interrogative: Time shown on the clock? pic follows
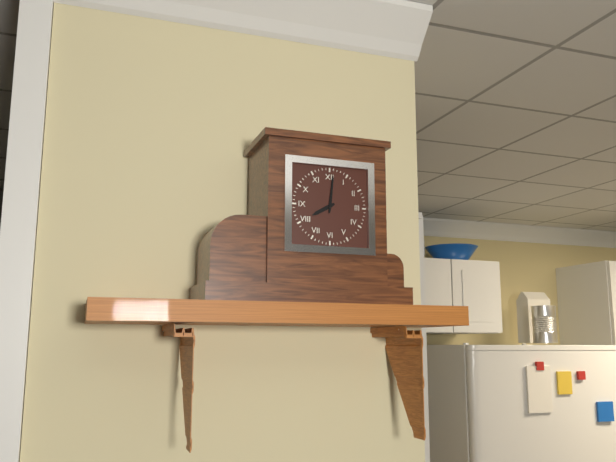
8:01
